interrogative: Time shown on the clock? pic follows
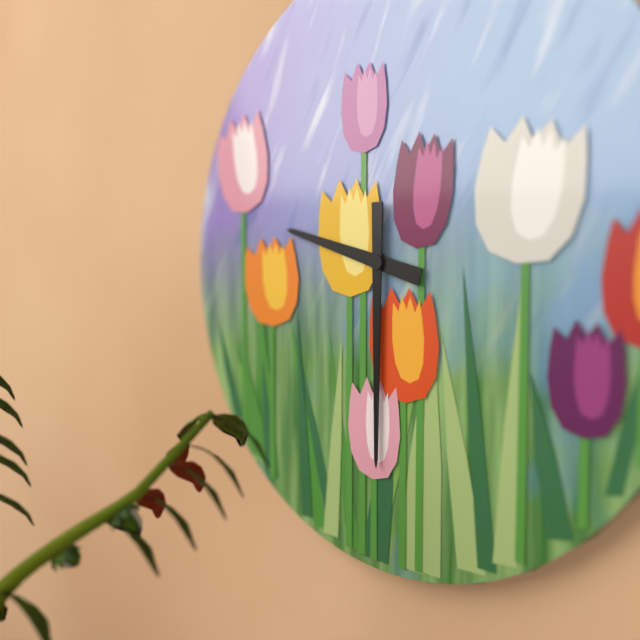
9:30
